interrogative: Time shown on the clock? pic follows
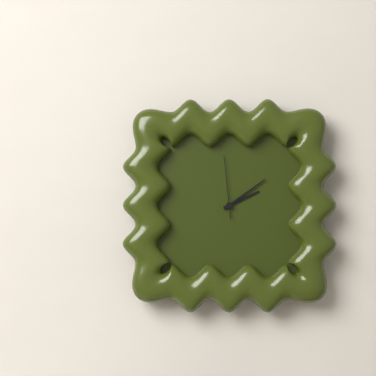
2:09:59
